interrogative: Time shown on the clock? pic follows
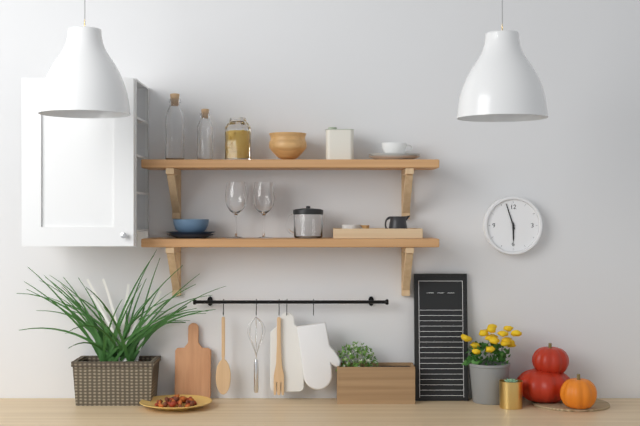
5:57
